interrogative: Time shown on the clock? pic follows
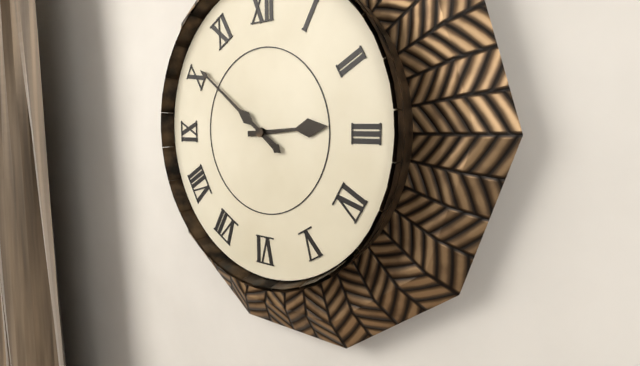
2:51
